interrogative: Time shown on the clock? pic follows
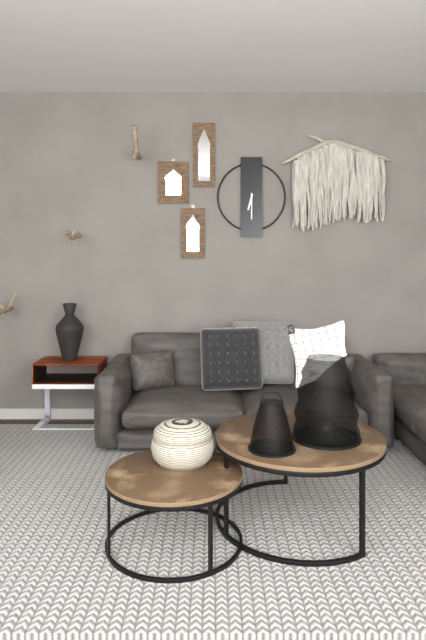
6:30
